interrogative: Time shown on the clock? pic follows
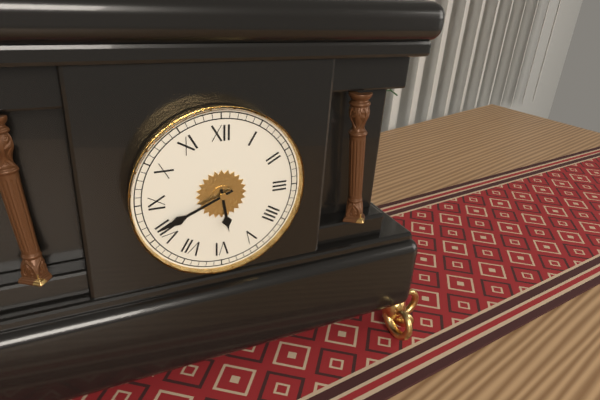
5:41
